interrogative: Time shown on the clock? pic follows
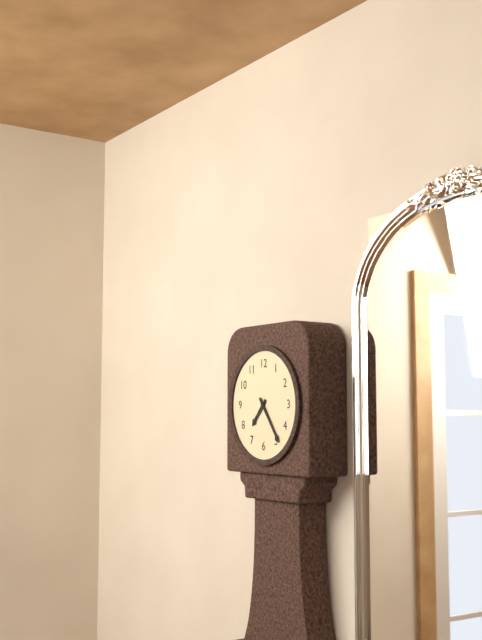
7:24
